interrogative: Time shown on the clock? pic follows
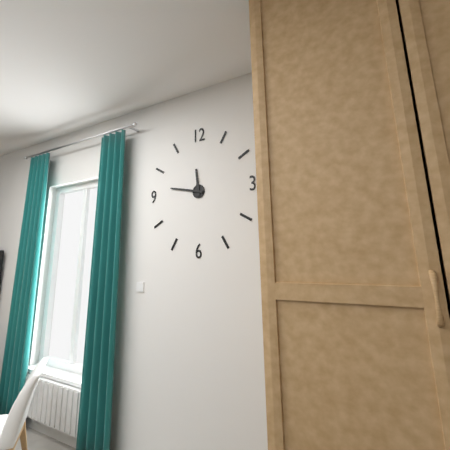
11:47
